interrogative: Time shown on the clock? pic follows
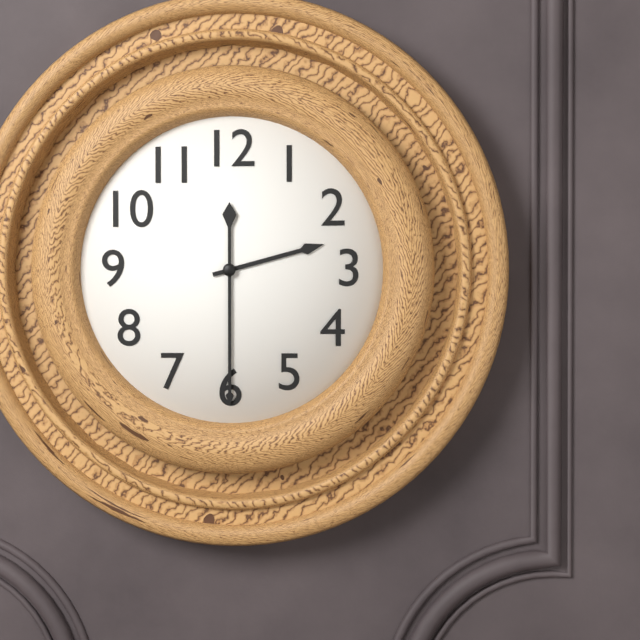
2:30
